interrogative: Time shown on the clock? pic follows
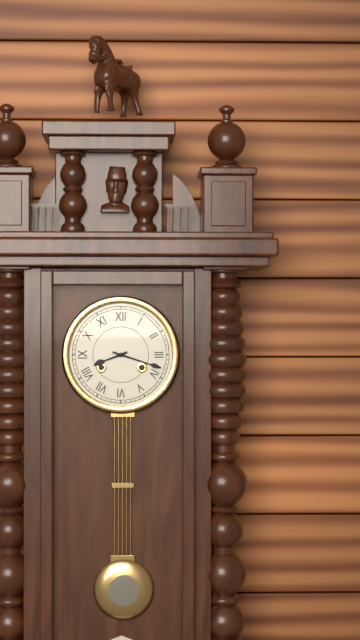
8:18
